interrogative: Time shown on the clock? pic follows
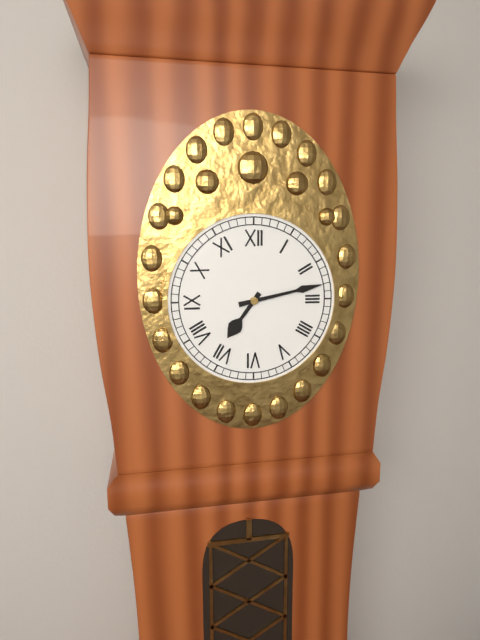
7:13
